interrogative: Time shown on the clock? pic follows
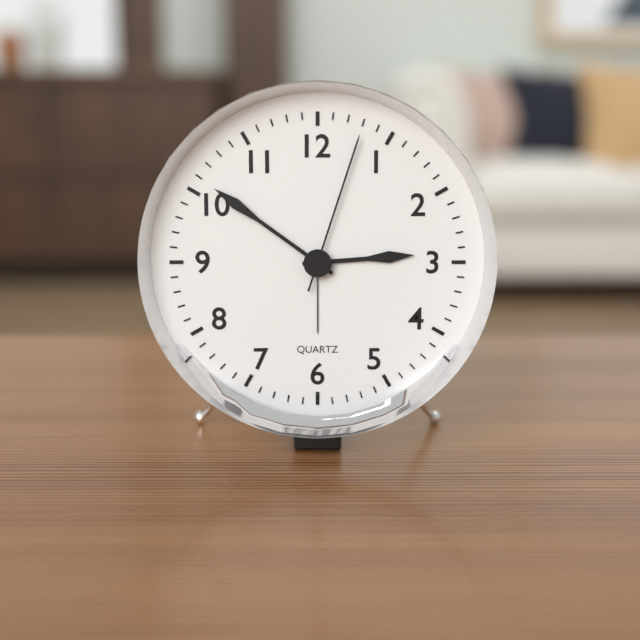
2:51:03
